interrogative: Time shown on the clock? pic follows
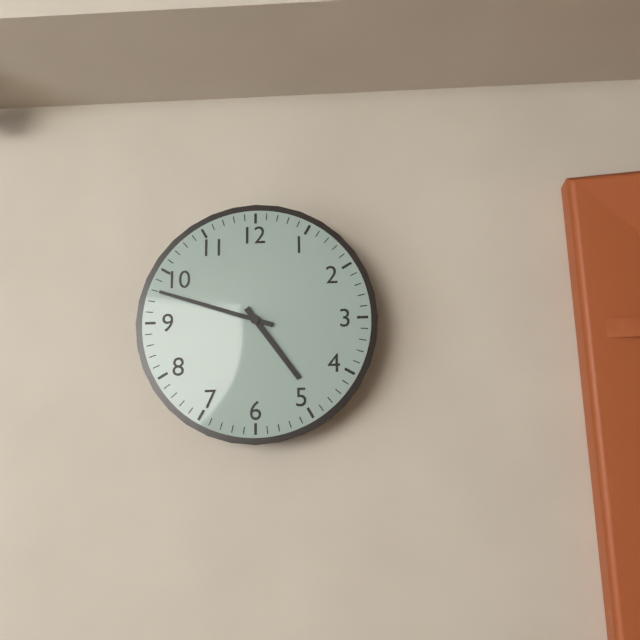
4:48
